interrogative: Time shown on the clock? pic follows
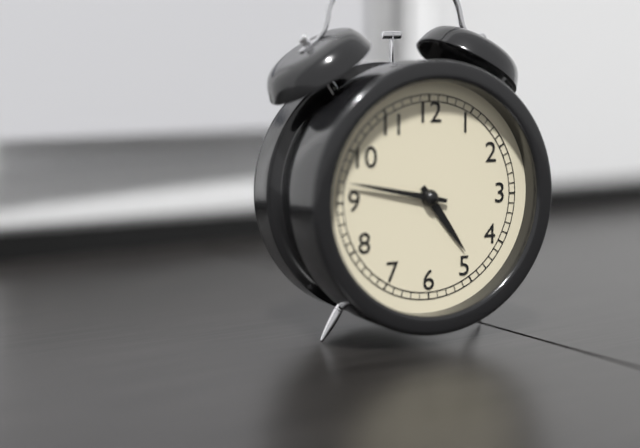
4:47
